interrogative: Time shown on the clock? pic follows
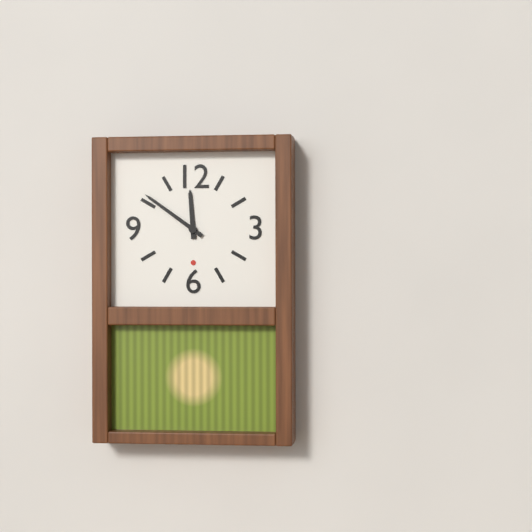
11:51
